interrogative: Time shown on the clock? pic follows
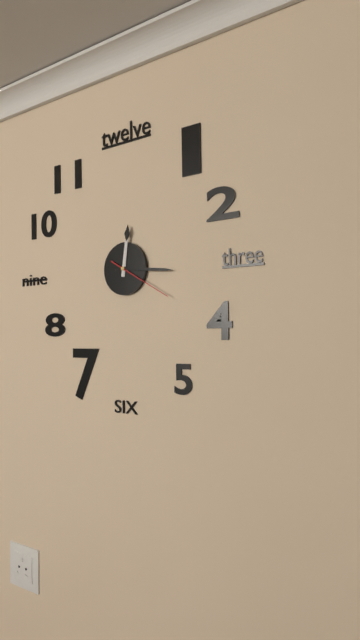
12:16:20
